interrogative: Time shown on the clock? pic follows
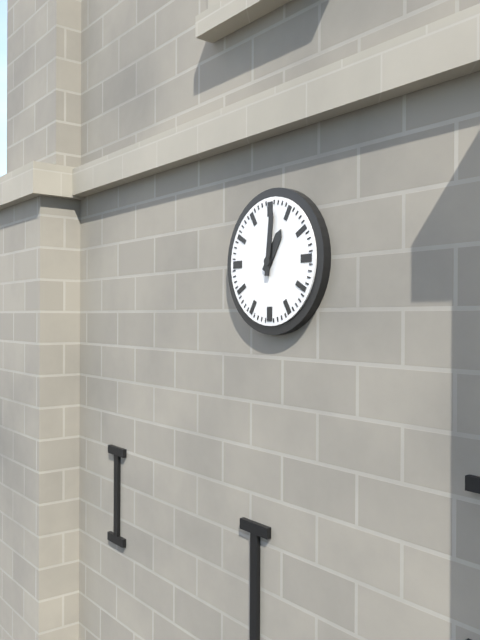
1:01
